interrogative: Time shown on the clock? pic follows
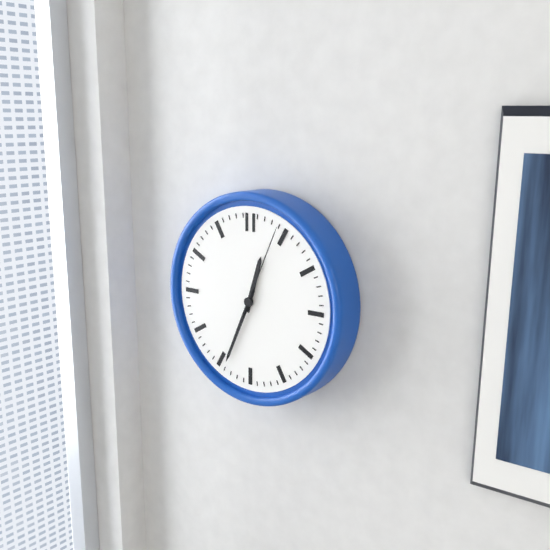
12:34:04
